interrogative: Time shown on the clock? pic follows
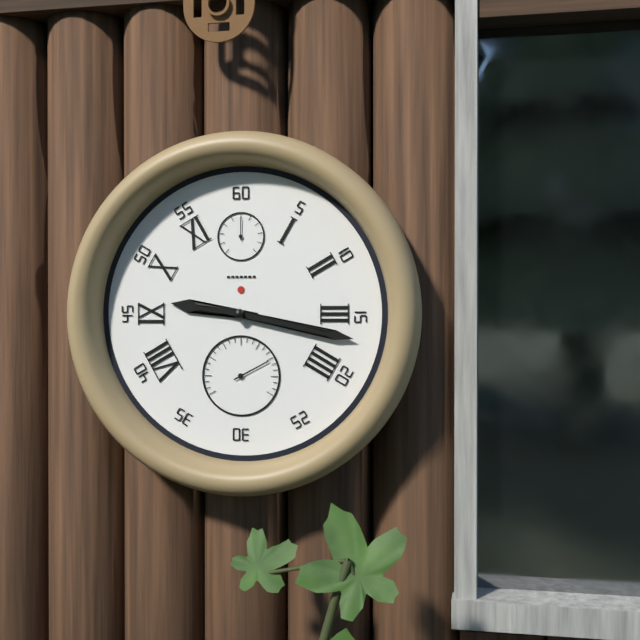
9:17
